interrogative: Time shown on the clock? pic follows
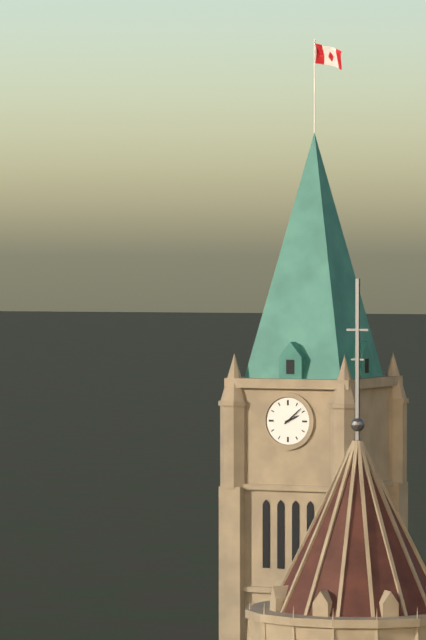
2:08
